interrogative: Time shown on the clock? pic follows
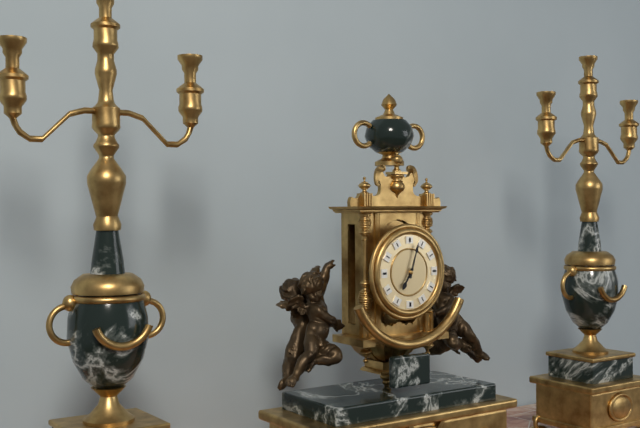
7:03
